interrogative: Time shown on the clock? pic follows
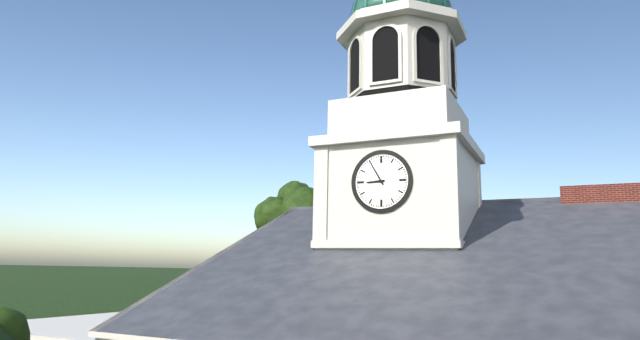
8:55
